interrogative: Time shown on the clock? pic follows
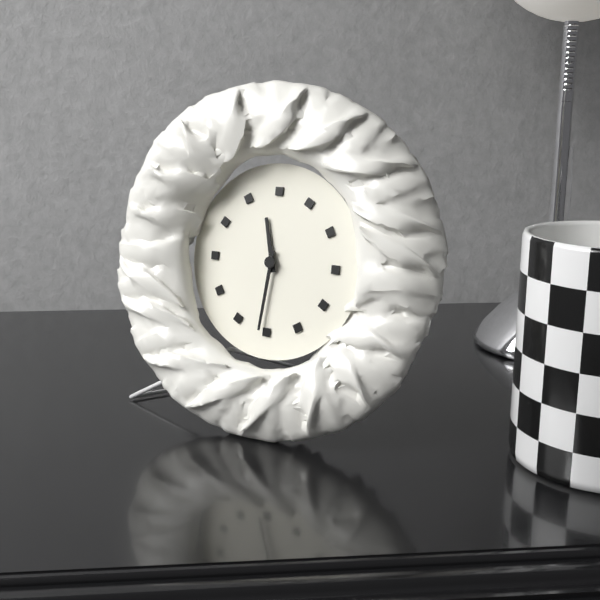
11:31
